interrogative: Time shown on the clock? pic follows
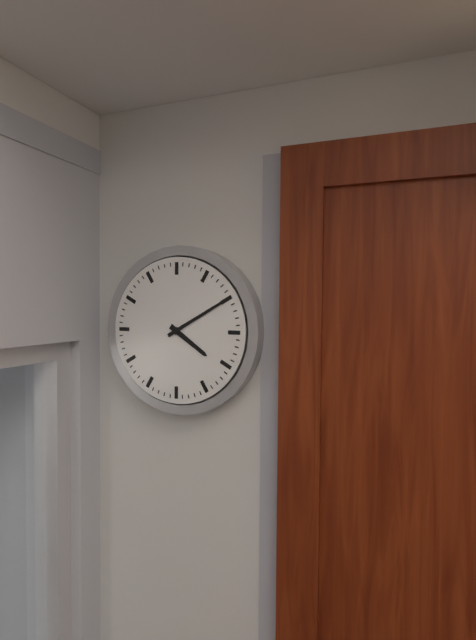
4:10
